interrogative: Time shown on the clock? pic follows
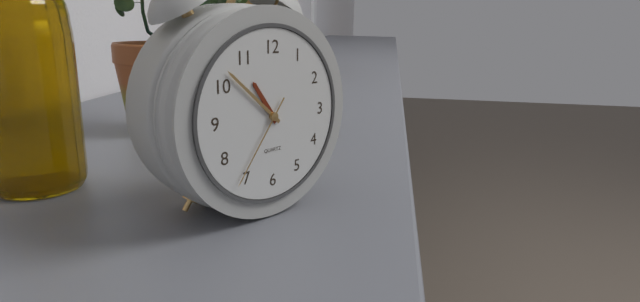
10:52:36
